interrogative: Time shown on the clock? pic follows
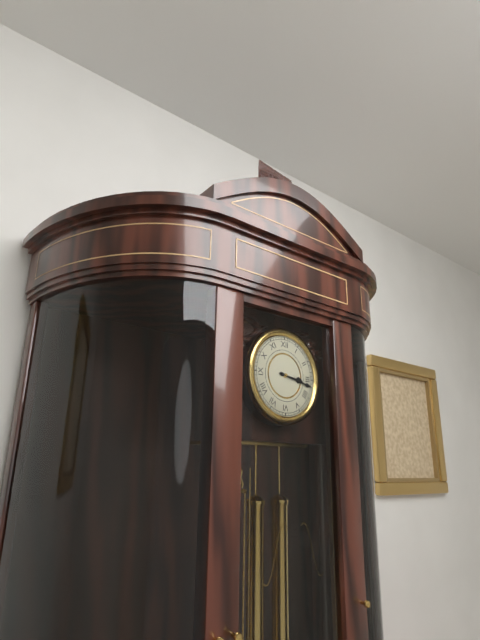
3:17
